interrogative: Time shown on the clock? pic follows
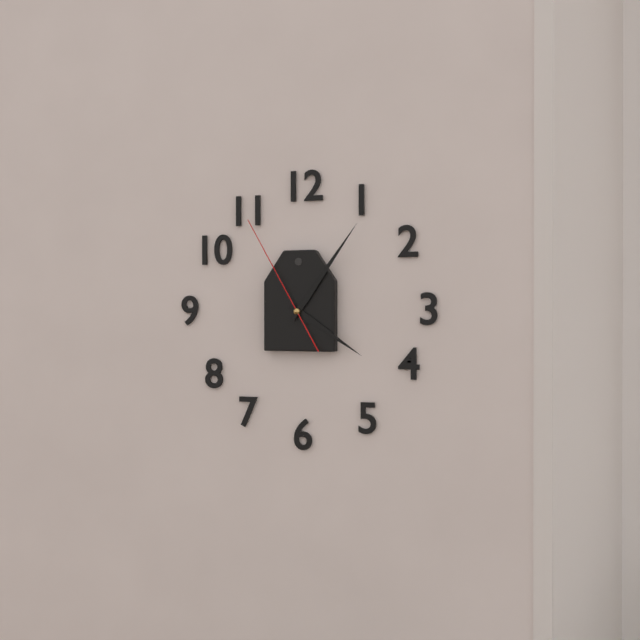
4:06:55
